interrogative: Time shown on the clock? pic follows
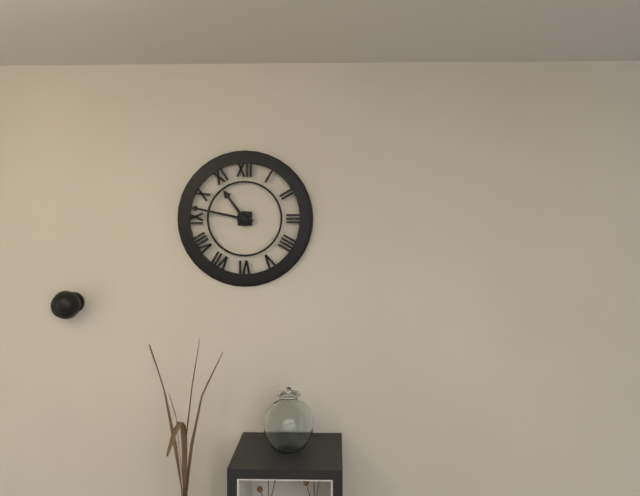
10:47
